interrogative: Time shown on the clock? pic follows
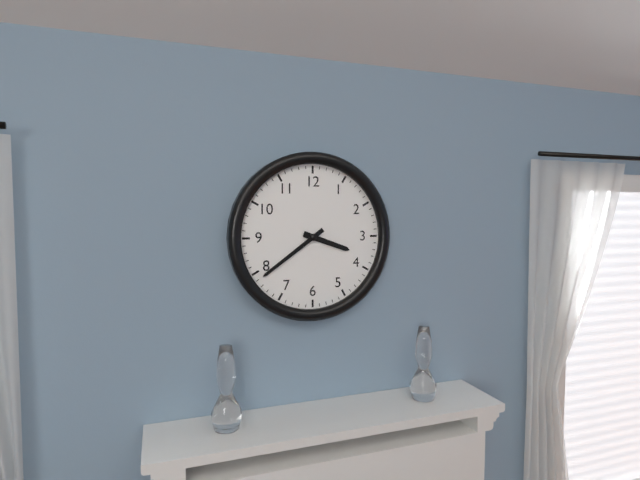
3:39
